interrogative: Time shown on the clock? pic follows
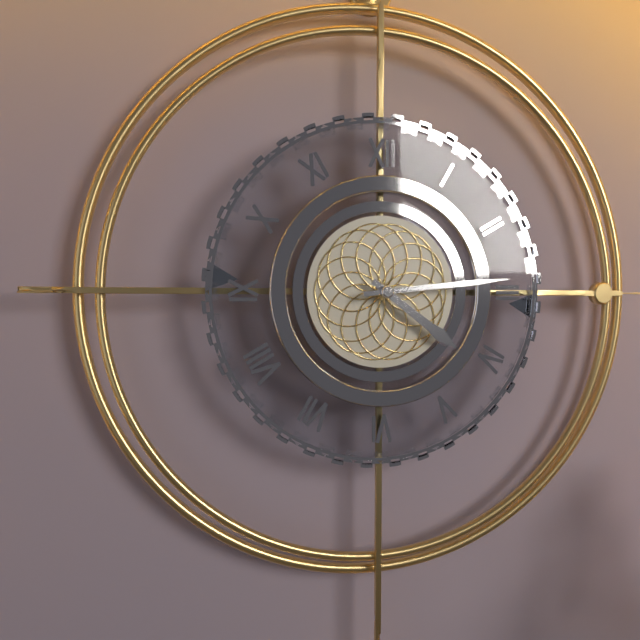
4:14
